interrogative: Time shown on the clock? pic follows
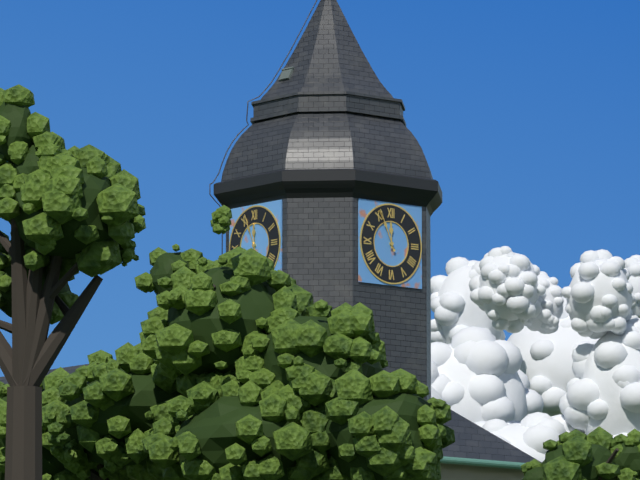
11:56
